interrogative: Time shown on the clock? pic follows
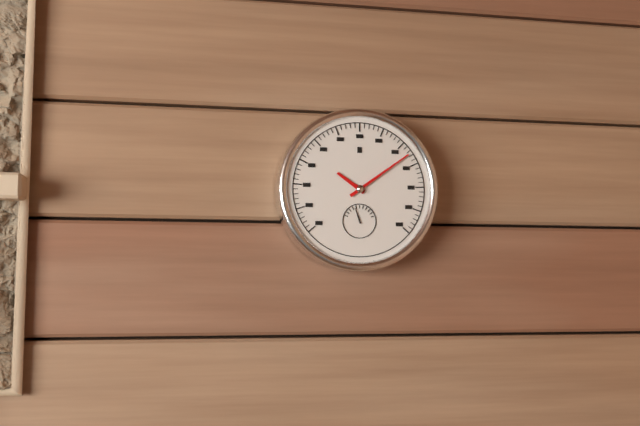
10:09
